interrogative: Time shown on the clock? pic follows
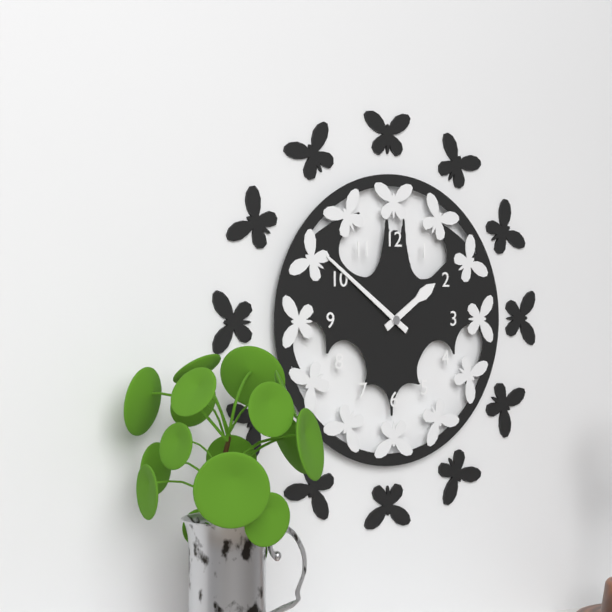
1:51
